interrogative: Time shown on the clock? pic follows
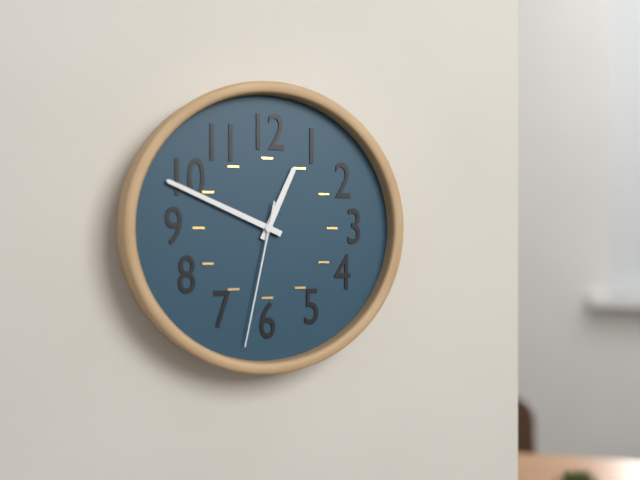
12:49:32
